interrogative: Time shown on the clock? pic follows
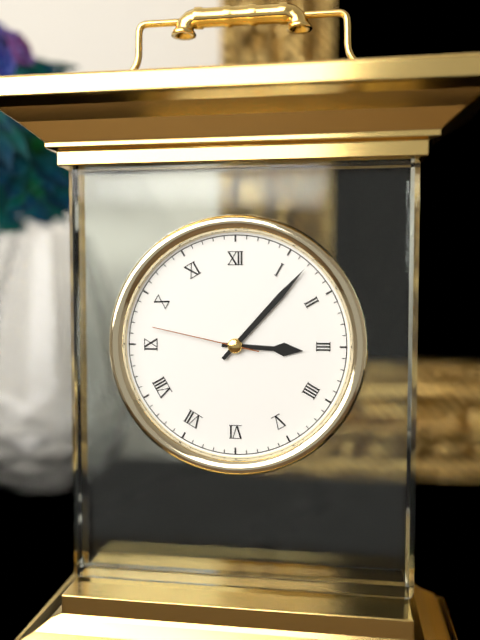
3:07:47
